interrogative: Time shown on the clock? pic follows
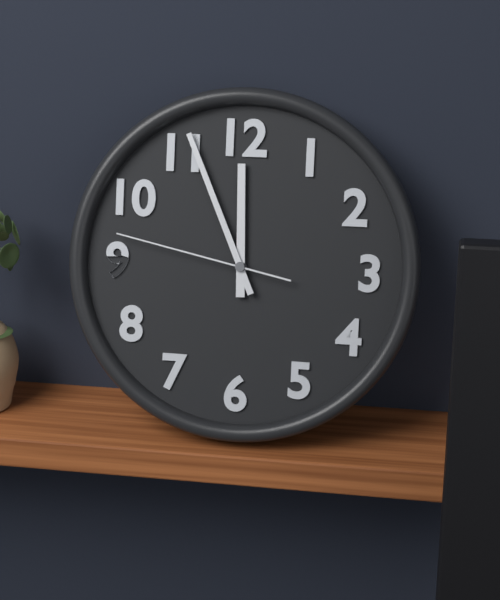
11:56:47
